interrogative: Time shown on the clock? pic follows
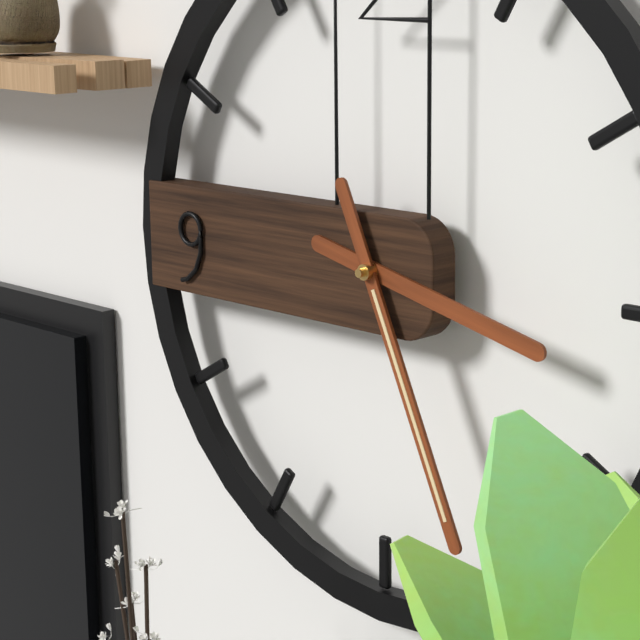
3:26
